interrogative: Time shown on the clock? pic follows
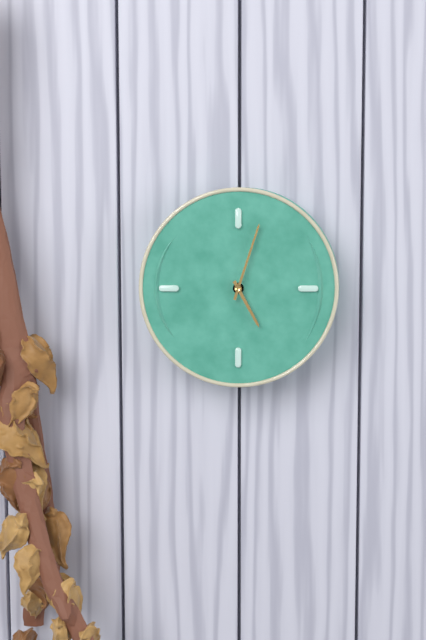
5:03
